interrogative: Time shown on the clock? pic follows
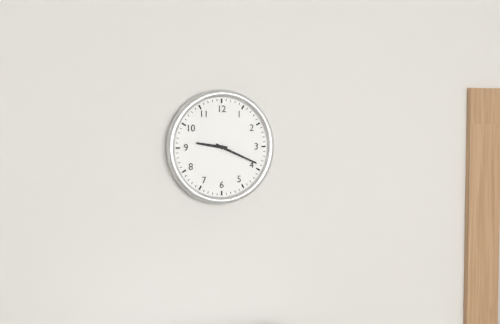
9:19
